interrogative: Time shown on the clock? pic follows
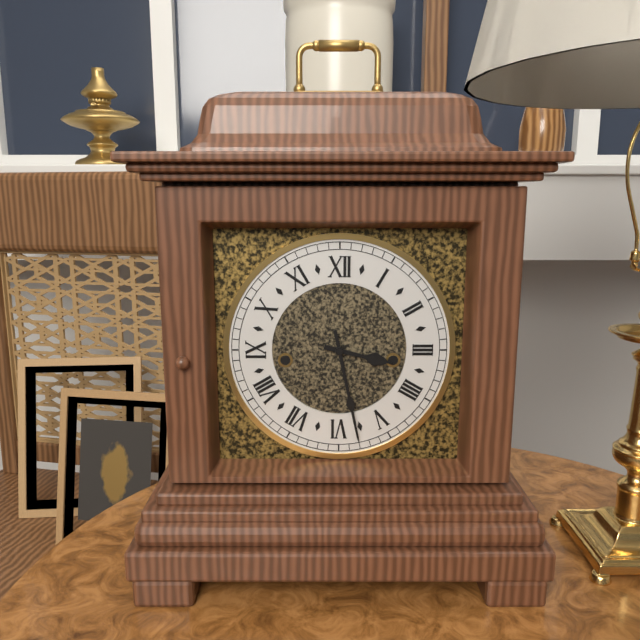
3:28
